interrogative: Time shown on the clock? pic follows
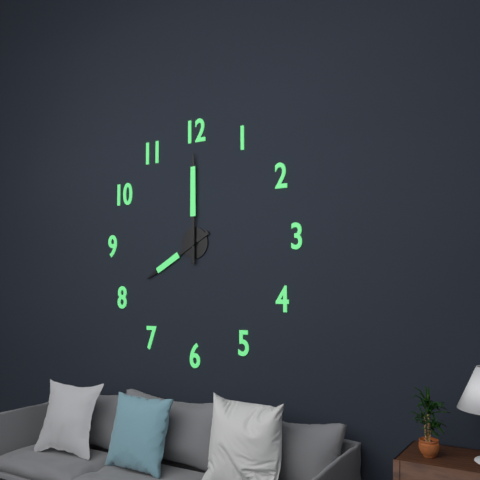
8:00
